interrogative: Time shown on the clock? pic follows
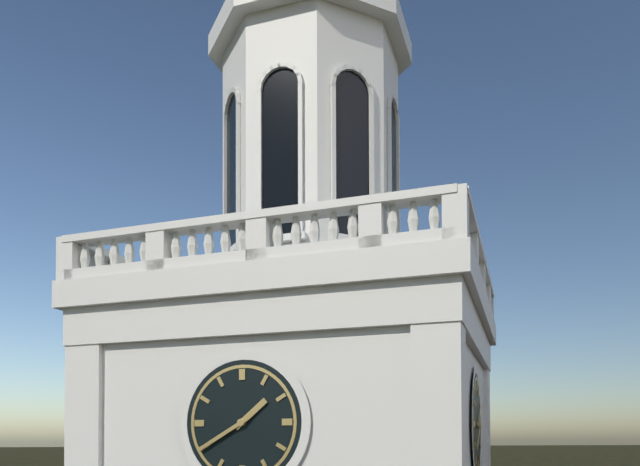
1:40
